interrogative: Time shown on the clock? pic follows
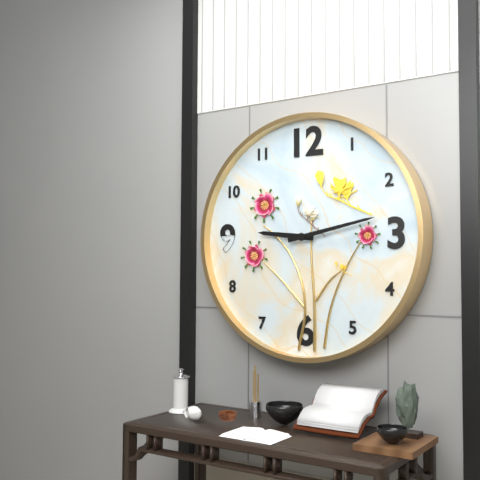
9:13
